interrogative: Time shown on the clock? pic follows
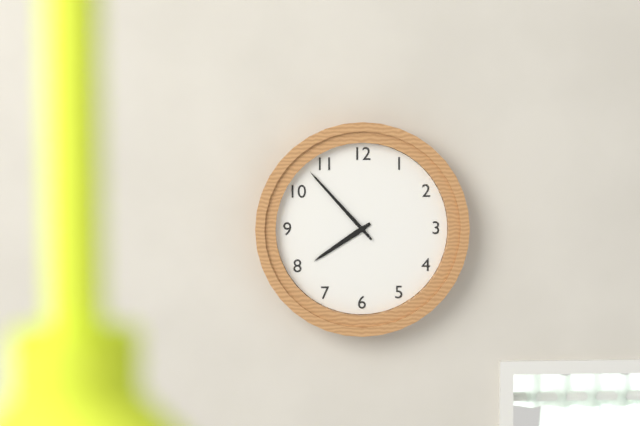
7:53
